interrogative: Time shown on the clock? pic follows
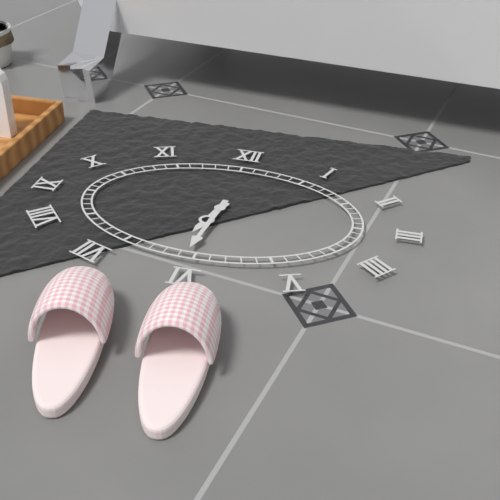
6:31
